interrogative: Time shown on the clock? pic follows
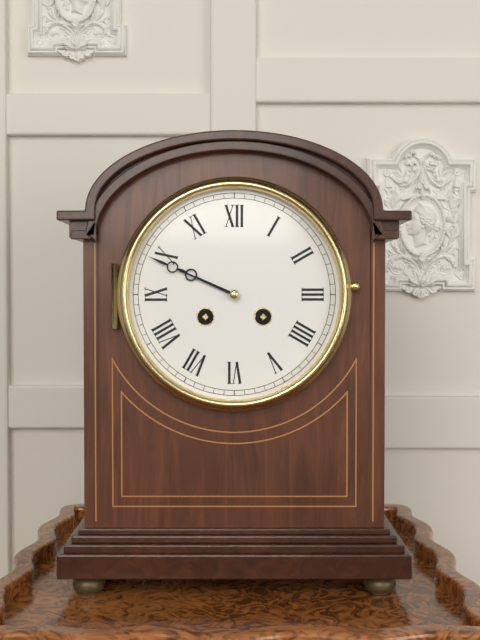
9:49
